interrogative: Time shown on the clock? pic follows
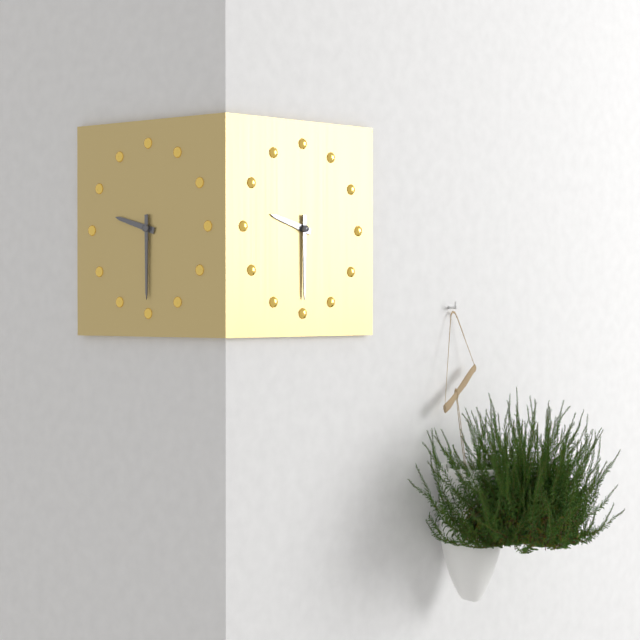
9:30
